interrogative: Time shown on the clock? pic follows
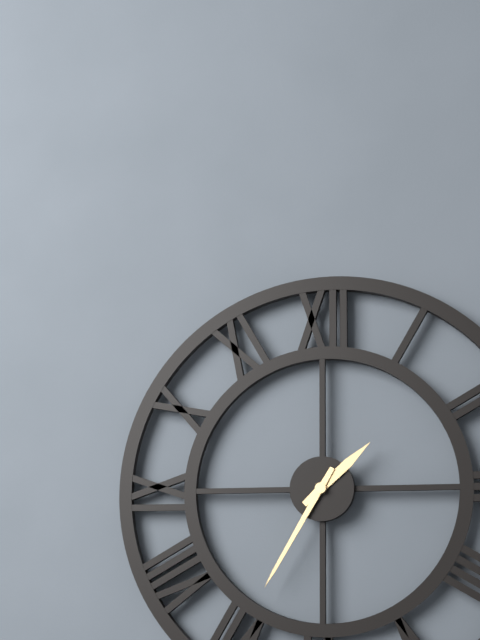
1:35
